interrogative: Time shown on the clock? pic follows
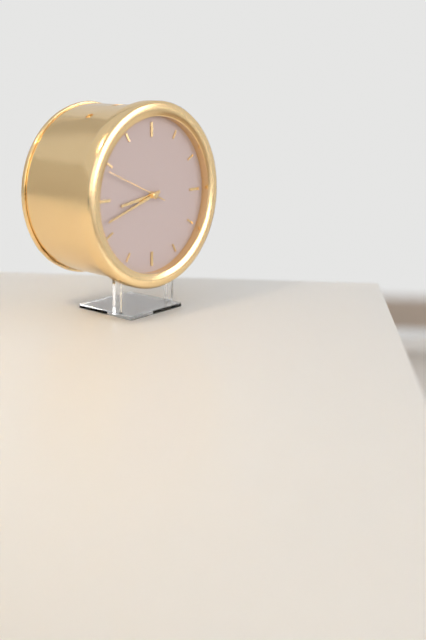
8:42:49
